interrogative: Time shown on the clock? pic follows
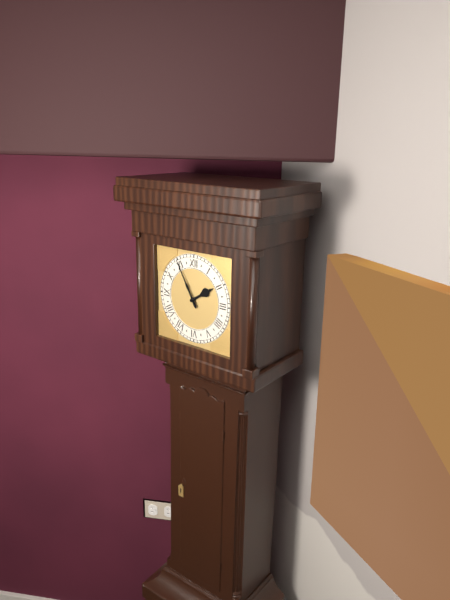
1:55
